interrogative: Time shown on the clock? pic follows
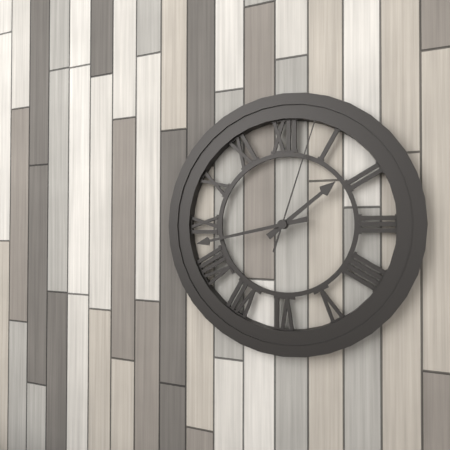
1:43:03
